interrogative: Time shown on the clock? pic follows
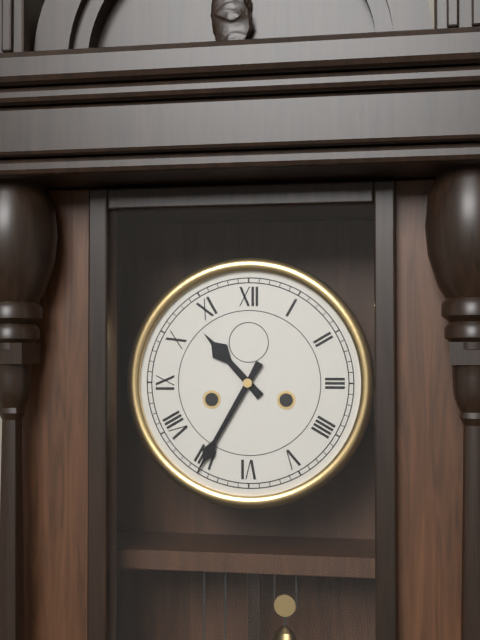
10:35
